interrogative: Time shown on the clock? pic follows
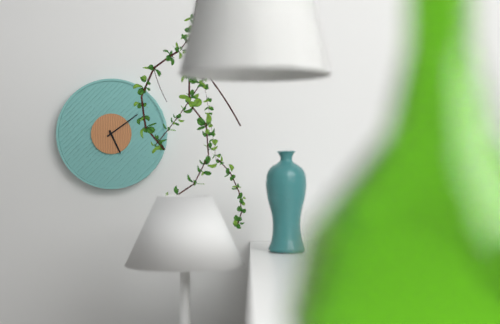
5:09
